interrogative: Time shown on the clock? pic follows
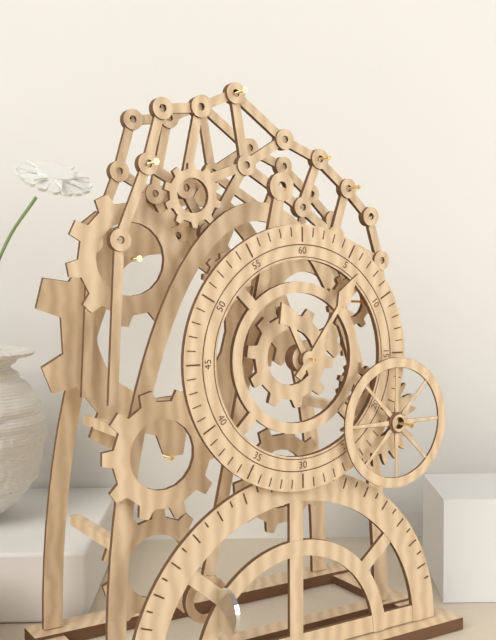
11:06
